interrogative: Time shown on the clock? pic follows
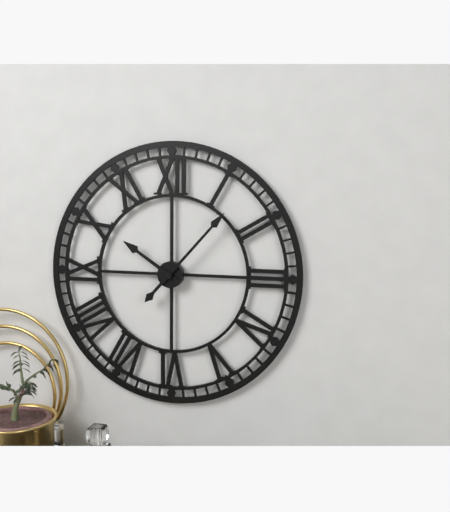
10:07
